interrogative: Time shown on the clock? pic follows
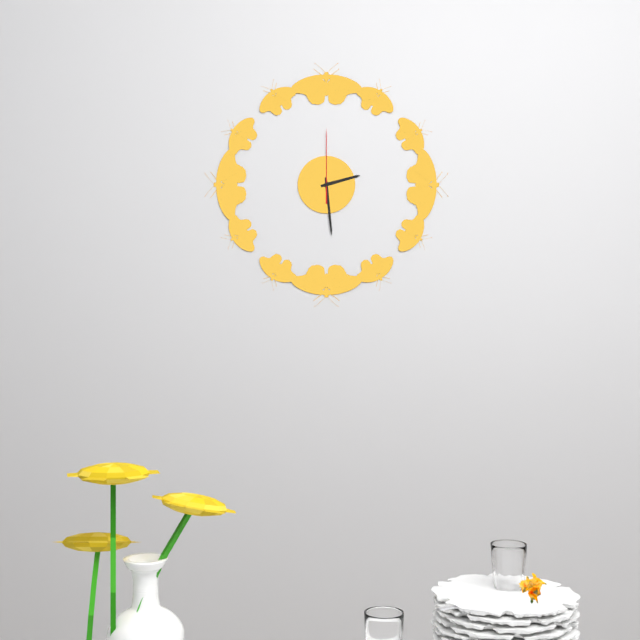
2:29:00
